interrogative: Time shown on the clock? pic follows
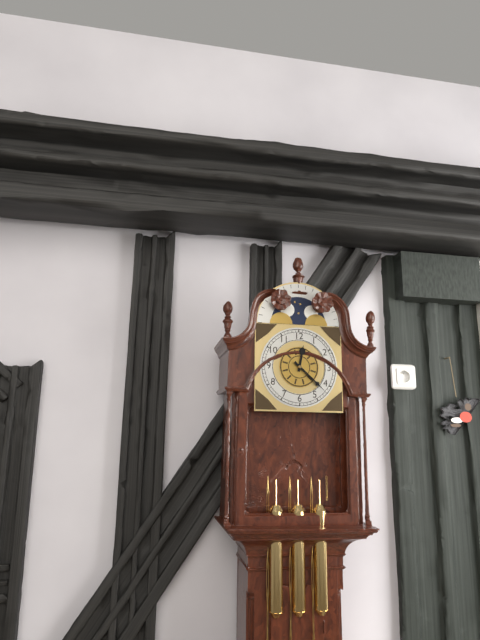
12:22
